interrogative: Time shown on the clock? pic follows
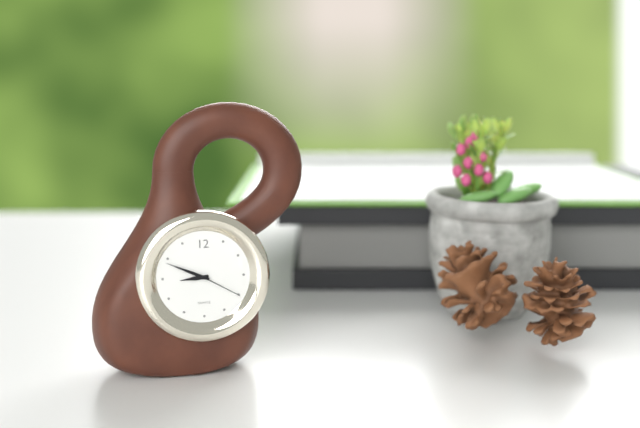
8:49:20
